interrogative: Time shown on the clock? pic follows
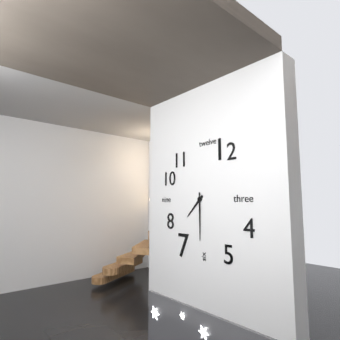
7:30
